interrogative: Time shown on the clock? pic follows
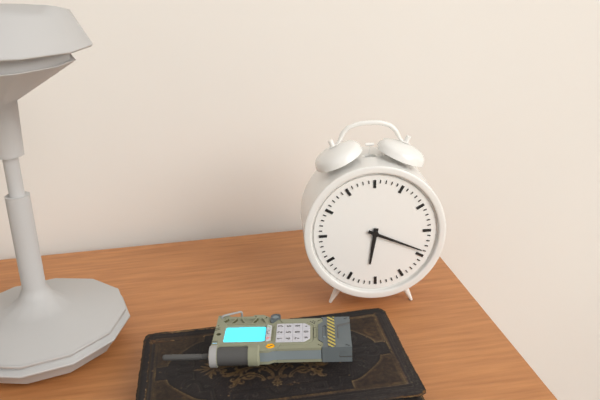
6:19
